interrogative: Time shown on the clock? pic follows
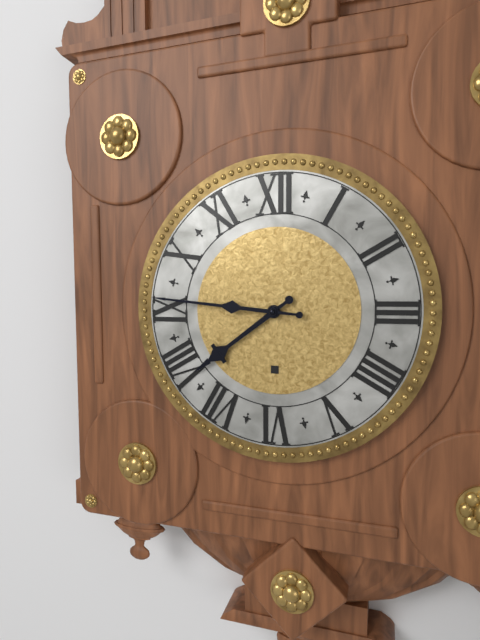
7:46
